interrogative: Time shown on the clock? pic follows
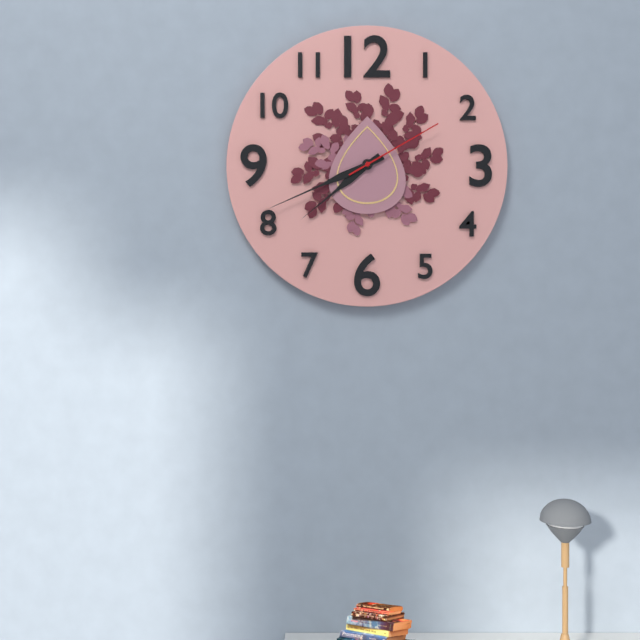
7:41:10
